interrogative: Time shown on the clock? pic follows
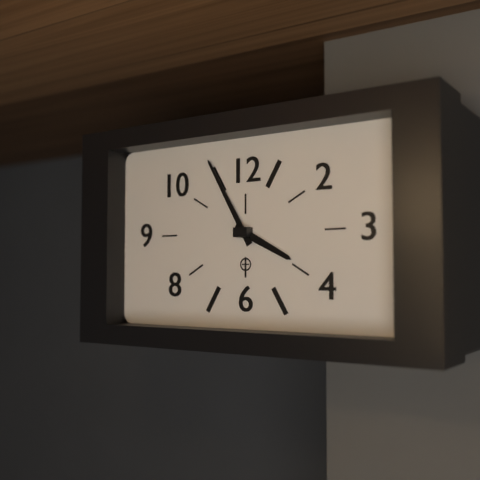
3:55
